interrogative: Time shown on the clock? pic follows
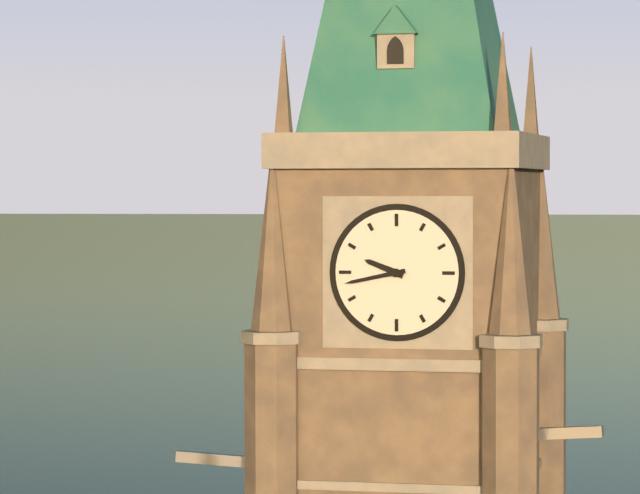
9:43
